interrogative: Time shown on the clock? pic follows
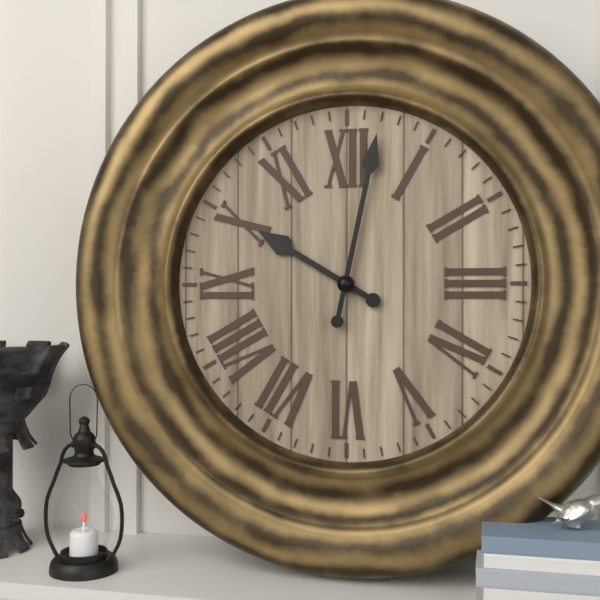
10:02
